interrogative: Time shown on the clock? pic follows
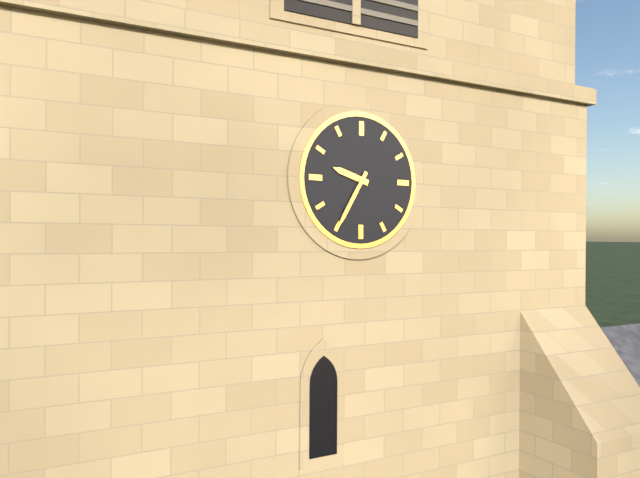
9:35
